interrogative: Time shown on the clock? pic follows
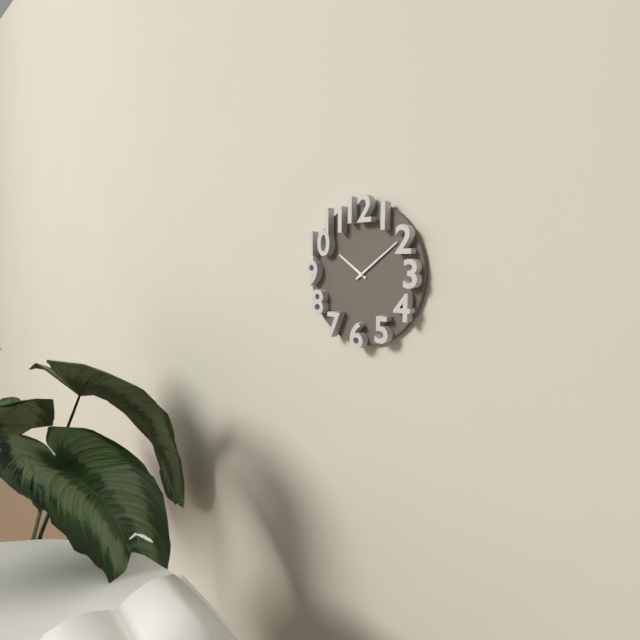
10:09
